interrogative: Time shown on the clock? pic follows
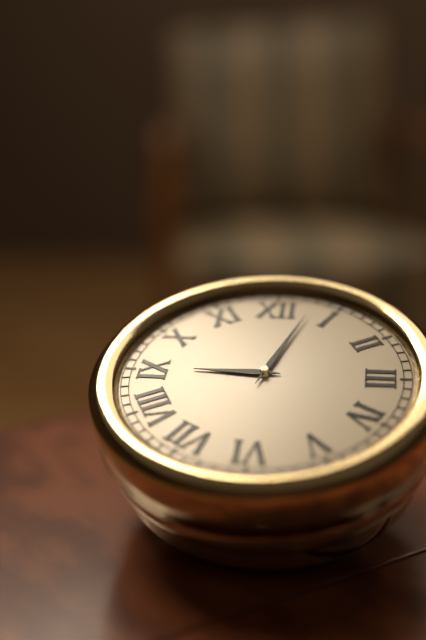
9:03
